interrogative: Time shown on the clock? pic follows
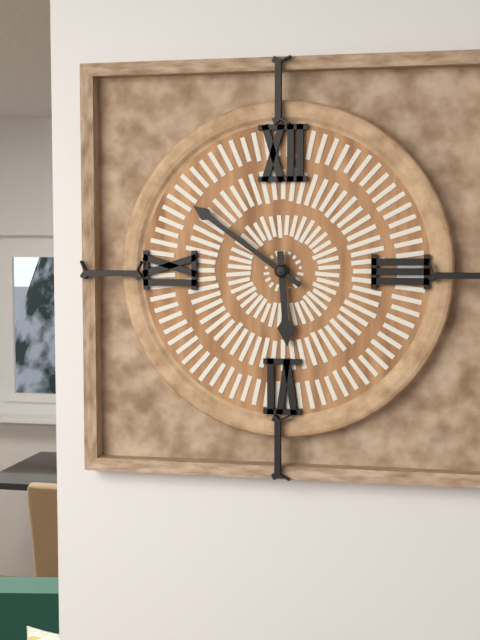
5:51
